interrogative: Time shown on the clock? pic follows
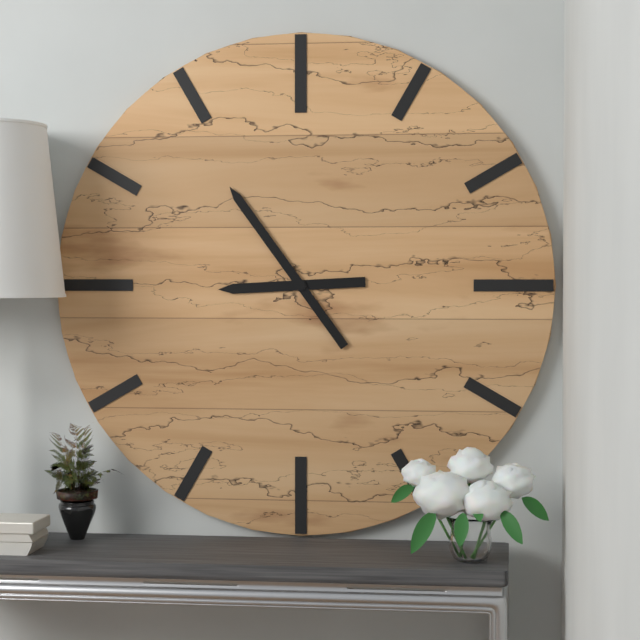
8:54
